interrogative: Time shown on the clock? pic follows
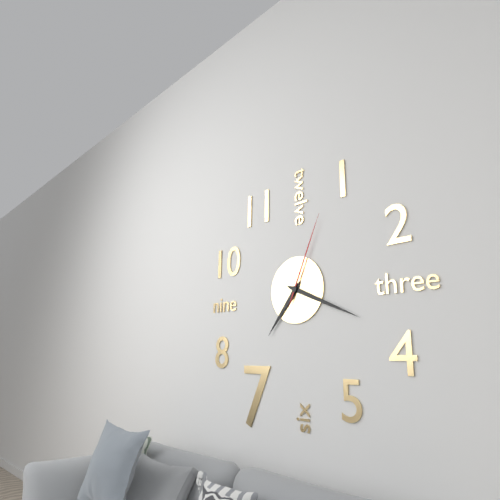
7:19:04
